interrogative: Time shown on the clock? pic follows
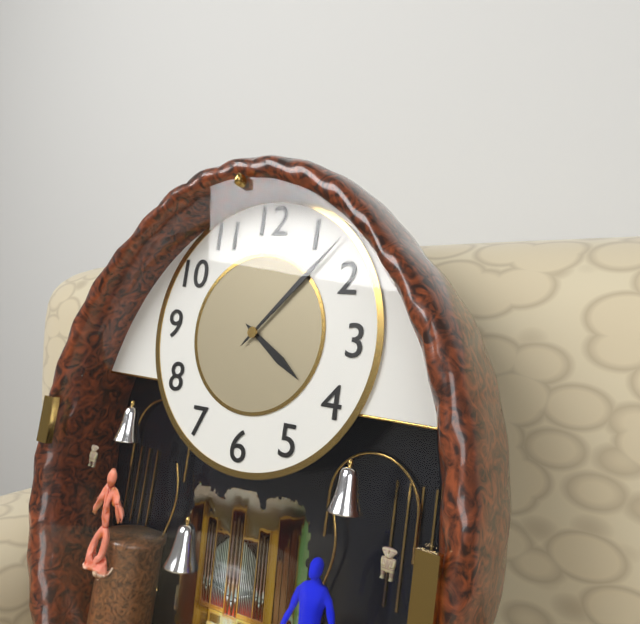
4:07
